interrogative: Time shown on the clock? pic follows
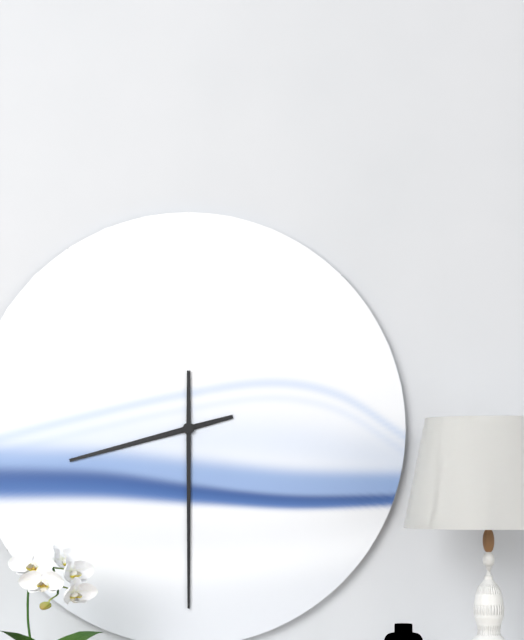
8:30
